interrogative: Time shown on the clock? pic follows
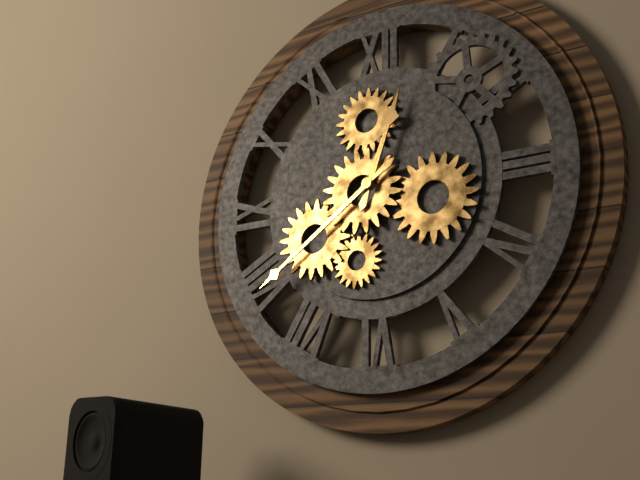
12:39
